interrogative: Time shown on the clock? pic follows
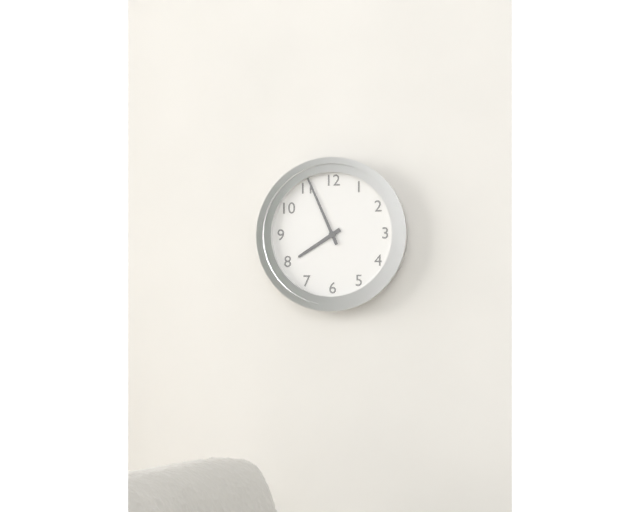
7:56
